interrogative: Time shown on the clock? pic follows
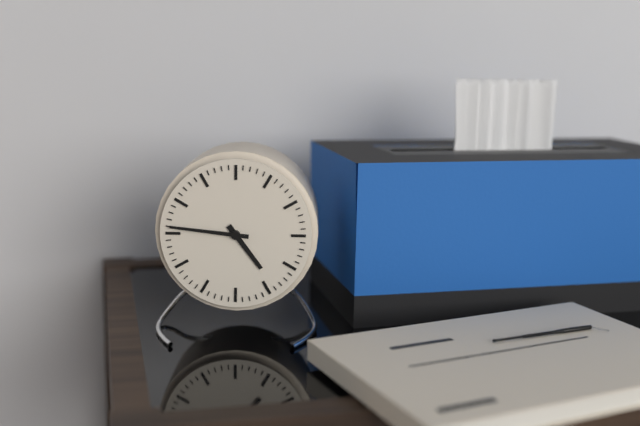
4:46
